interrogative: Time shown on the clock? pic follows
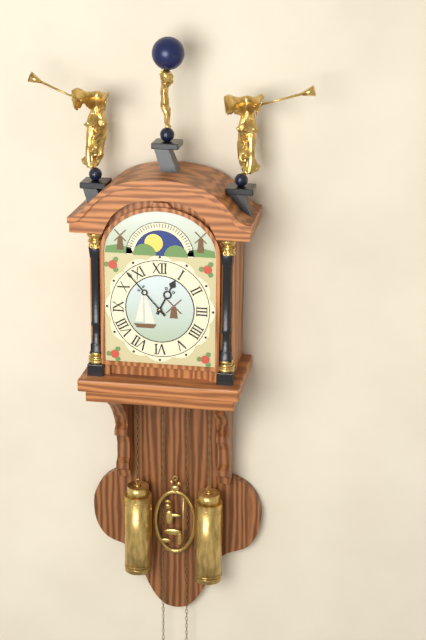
12:53
